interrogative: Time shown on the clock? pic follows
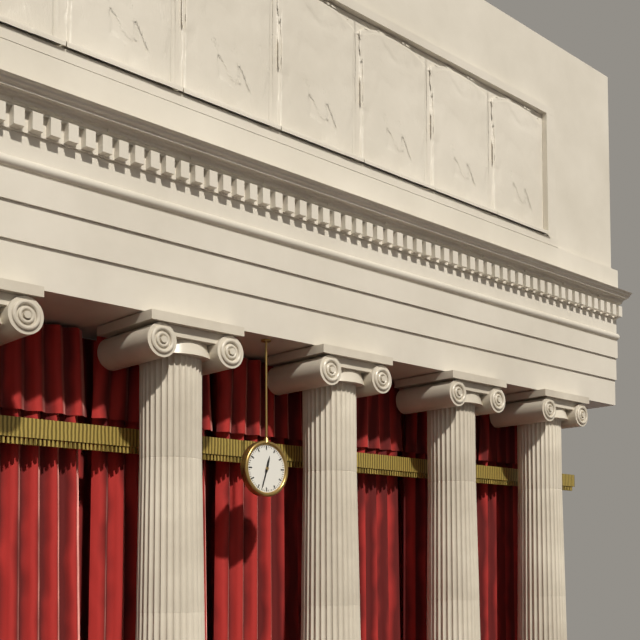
12:33
